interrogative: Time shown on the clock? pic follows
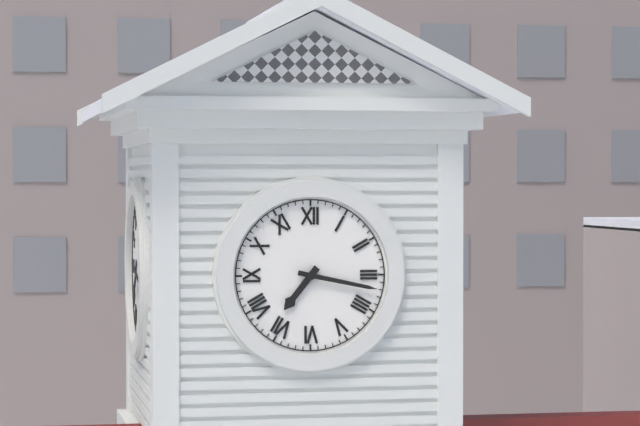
7:17
